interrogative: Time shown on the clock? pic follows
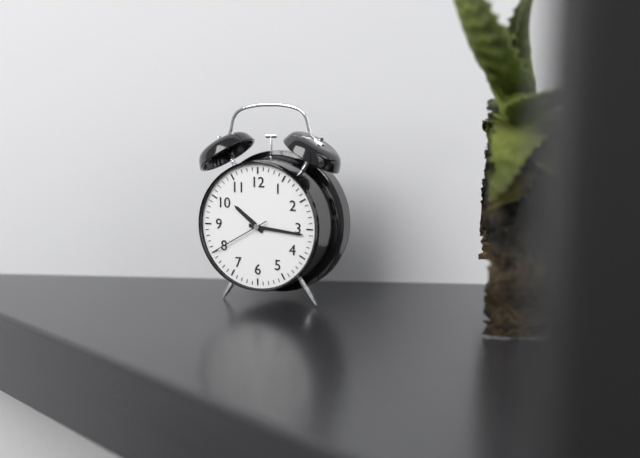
10:16:40
